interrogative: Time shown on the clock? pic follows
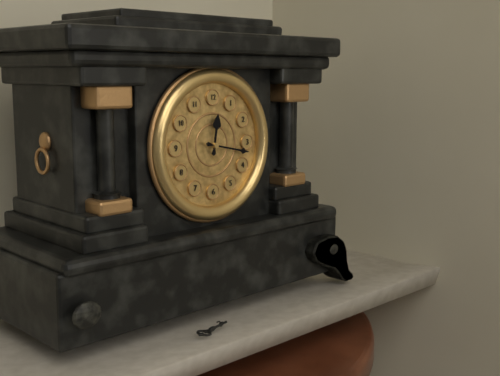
12:17
